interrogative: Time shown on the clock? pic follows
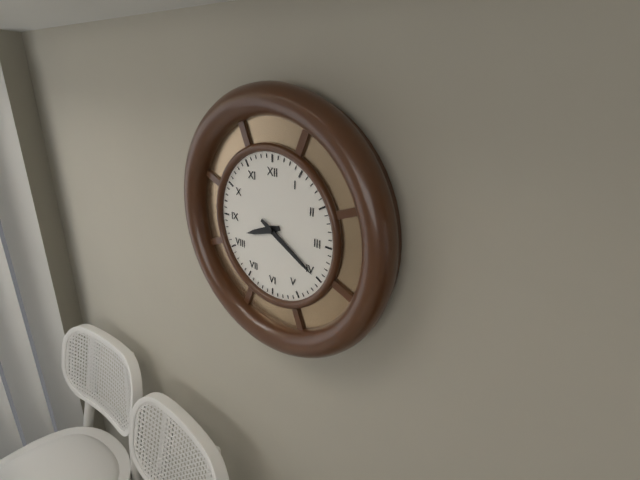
8:20
